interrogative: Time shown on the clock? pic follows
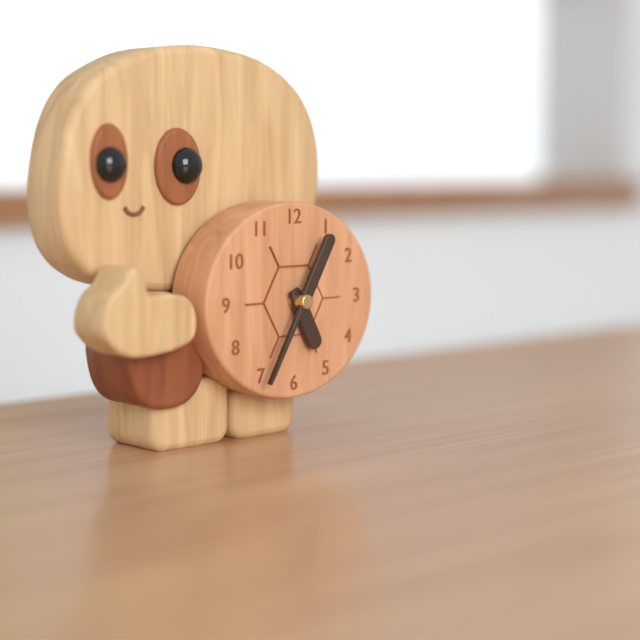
5:05
